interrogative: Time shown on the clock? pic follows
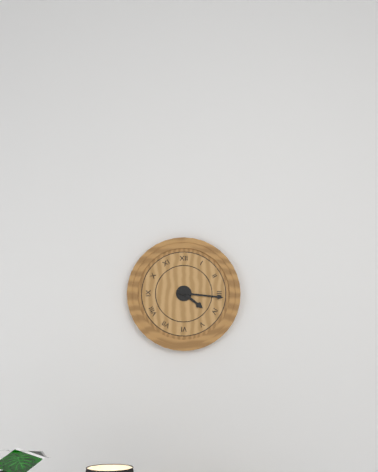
4:16
